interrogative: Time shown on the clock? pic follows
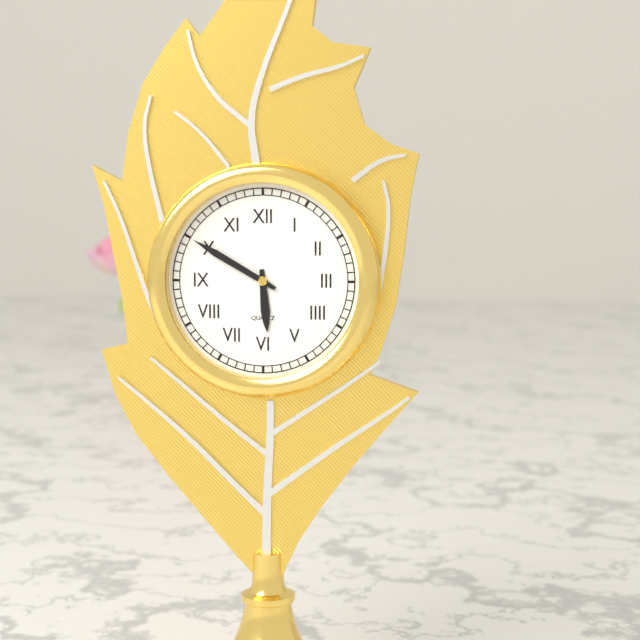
5:50
